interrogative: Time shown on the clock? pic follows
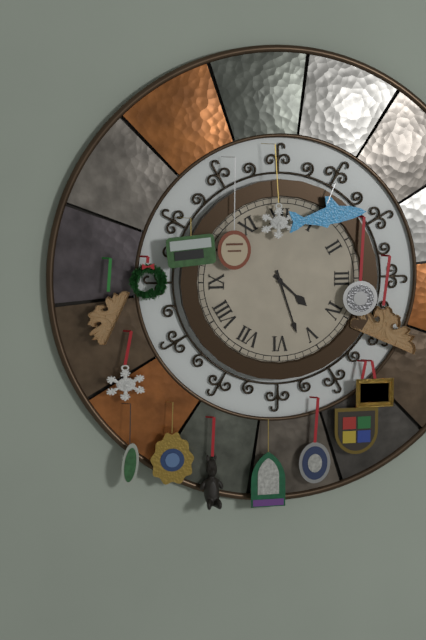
4:27
